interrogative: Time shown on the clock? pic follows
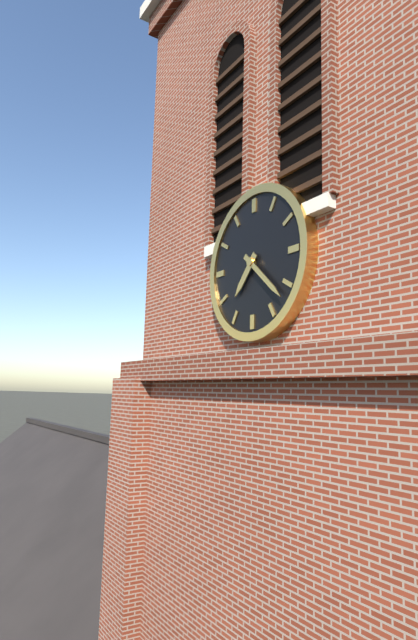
7:22
